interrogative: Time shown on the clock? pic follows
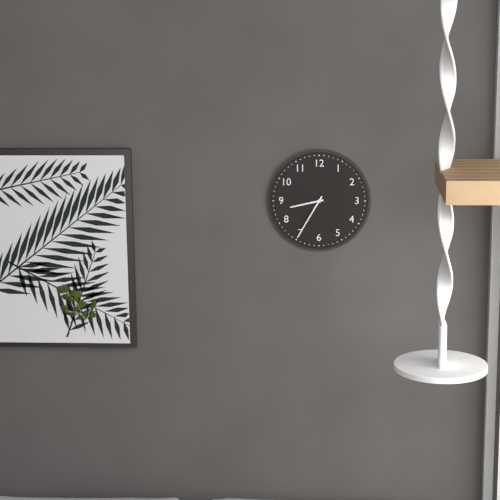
8:35
